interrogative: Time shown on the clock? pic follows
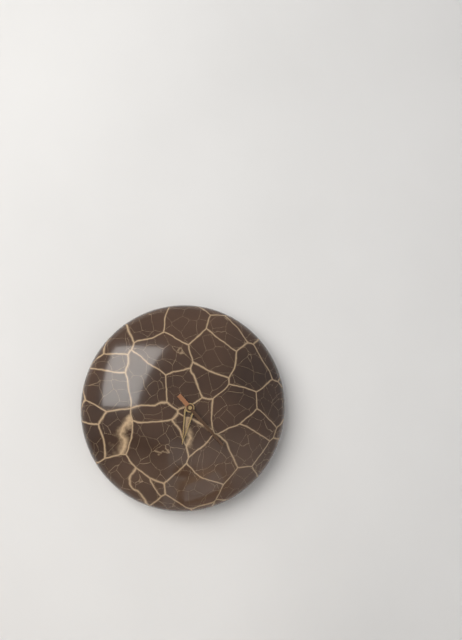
6:23
